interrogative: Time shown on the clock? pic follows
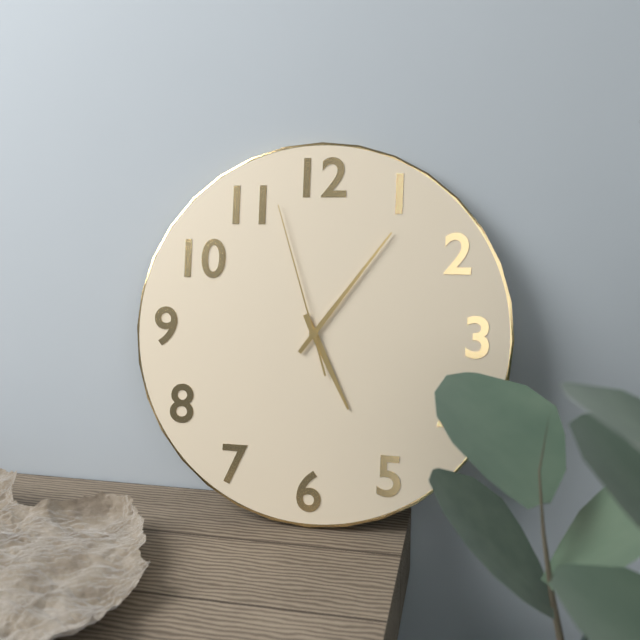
5:06:57
